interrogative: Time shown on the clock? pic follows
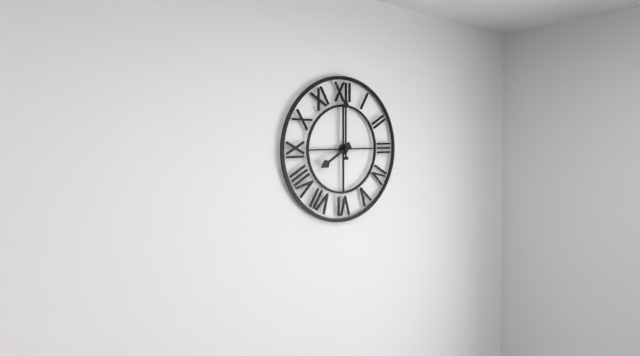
8:00
